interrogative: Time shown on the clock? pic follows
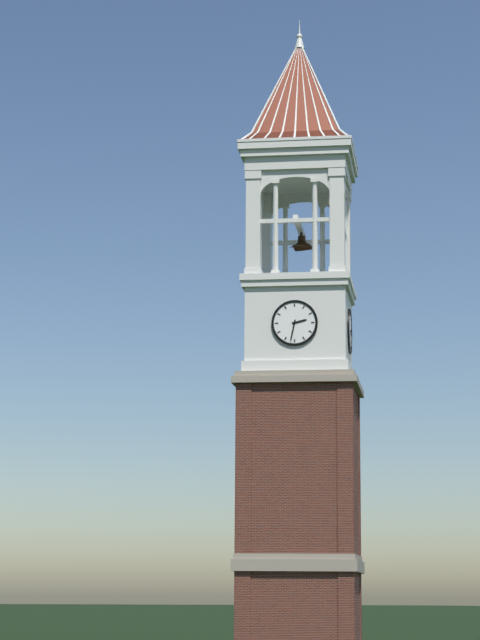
2:32
